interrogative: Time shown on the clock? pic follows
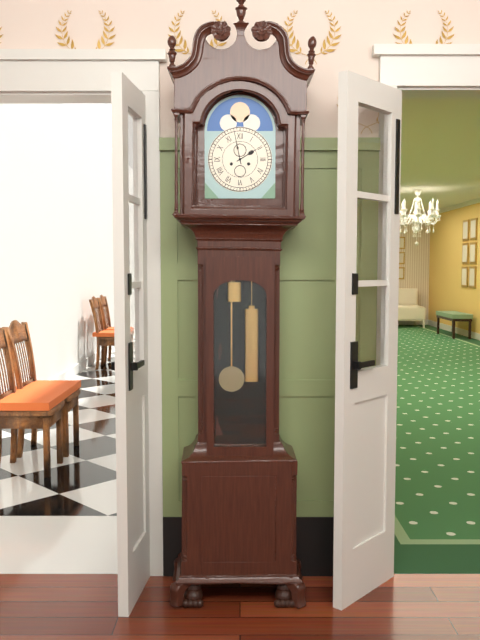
1:58
